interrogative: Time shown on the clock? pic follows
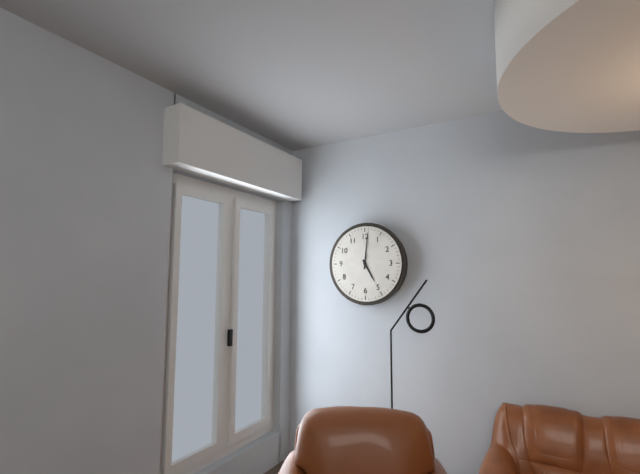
5:01
